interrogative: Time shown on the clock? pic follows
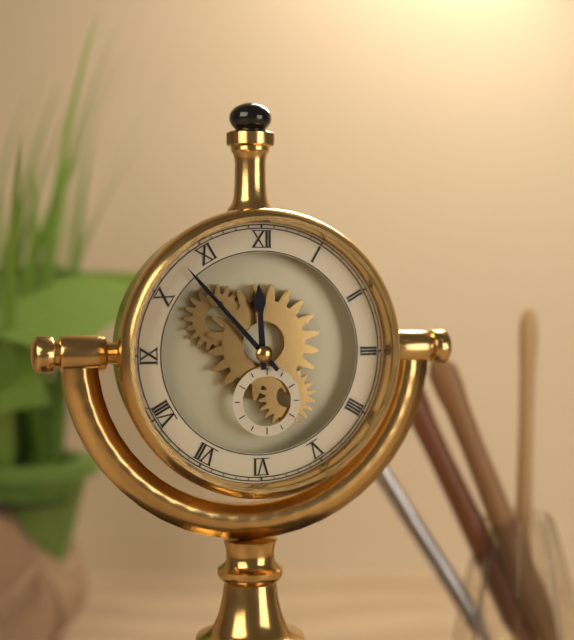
11:53
